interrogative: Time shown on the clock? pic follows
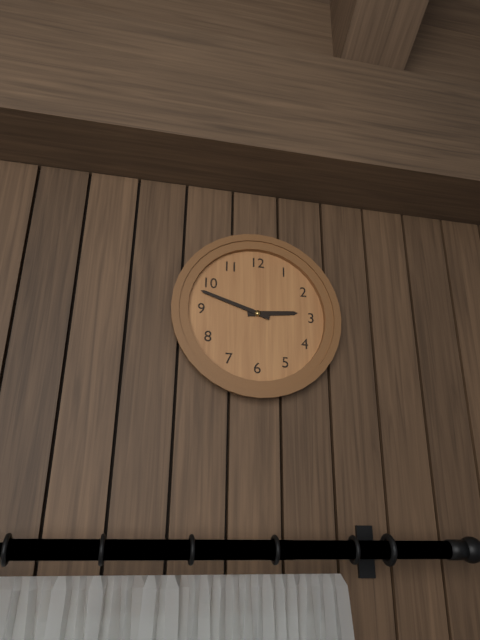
2:48
